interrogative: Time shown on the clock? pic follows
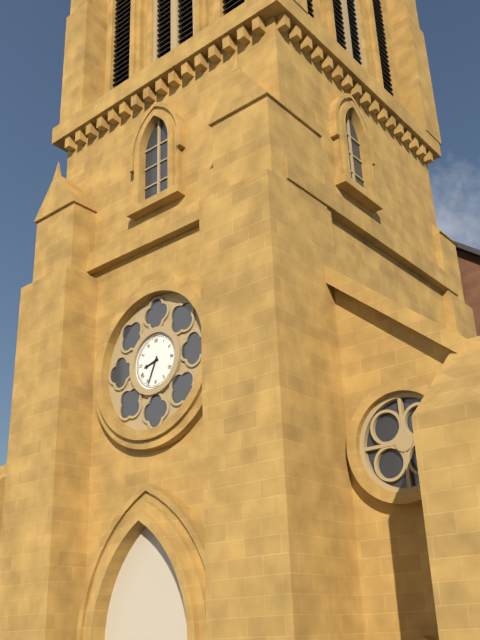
8:34
